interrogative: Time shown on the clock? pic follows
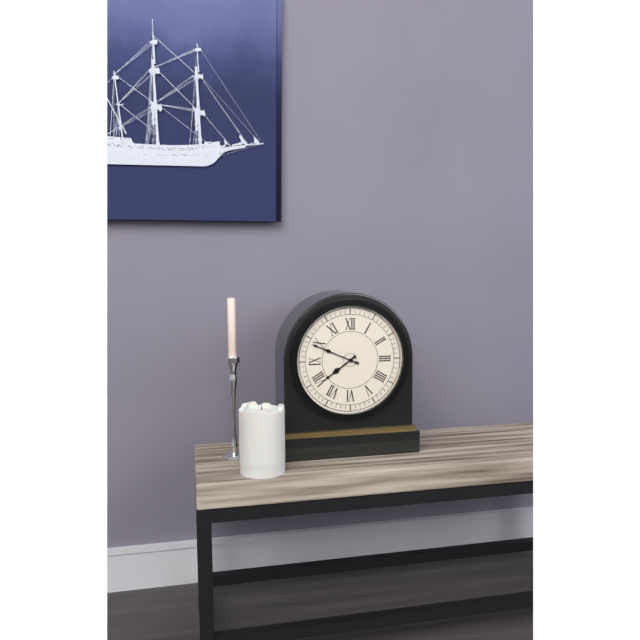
7:49
